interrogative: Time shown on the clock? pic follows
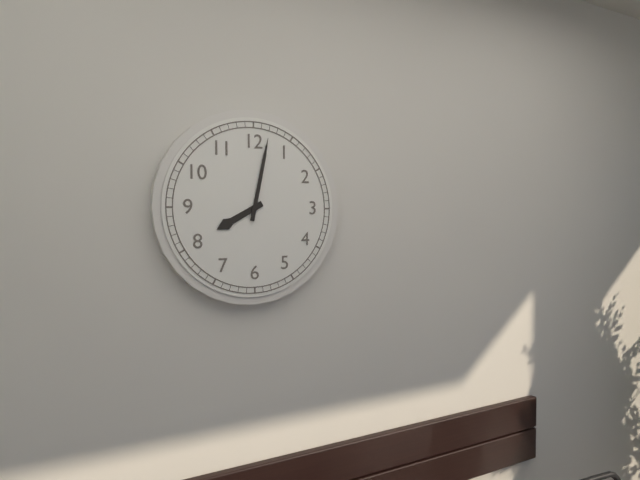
8:02
